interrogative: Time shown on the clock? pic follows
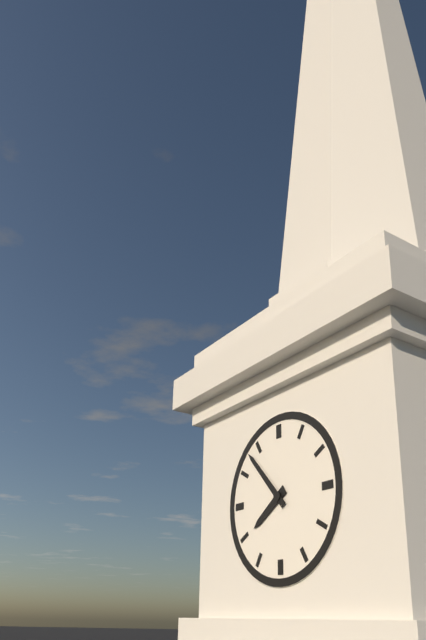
7:53
